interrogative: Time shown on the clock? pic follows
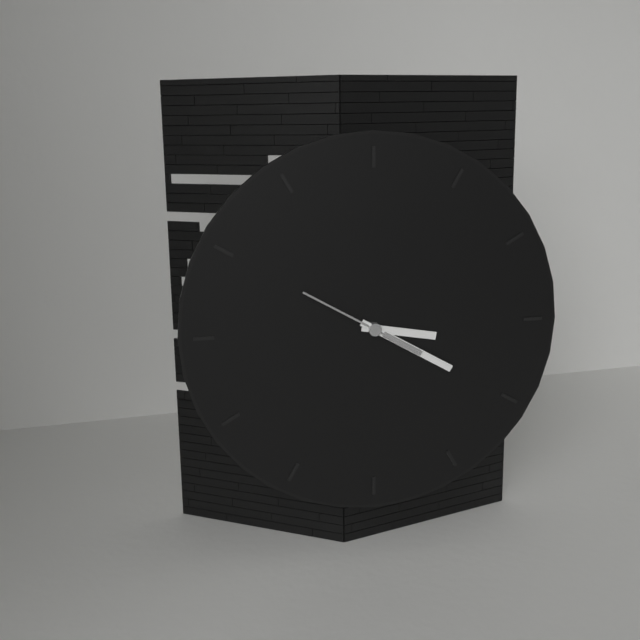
3:20:50
